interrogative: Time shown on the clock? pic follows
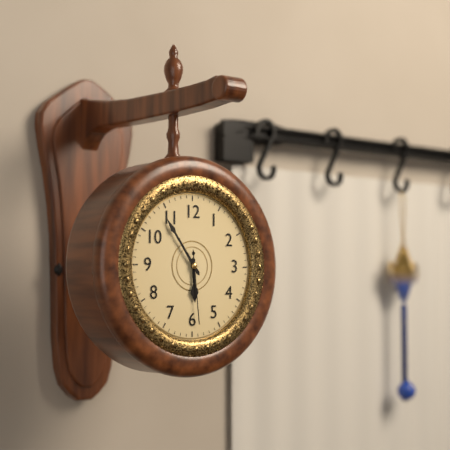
5:54:29
